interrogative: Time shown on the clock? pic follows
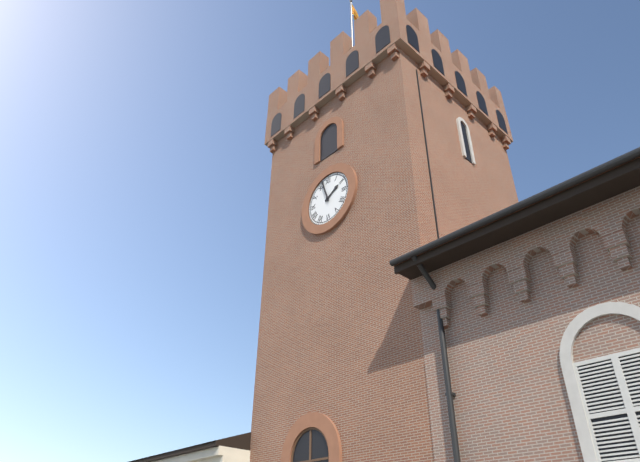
1:57
